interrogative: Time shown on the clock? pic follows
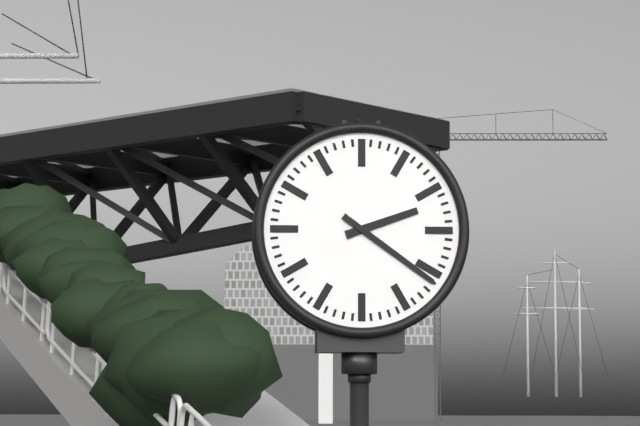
2:21
